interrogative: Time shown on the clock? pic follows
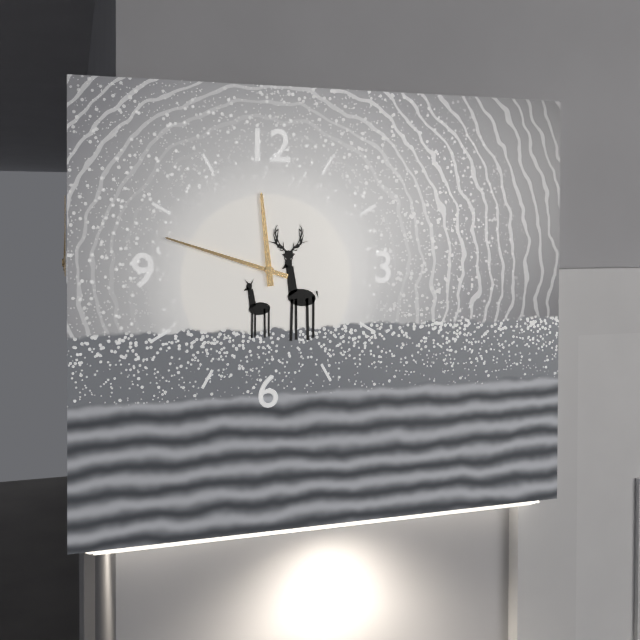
11:48
